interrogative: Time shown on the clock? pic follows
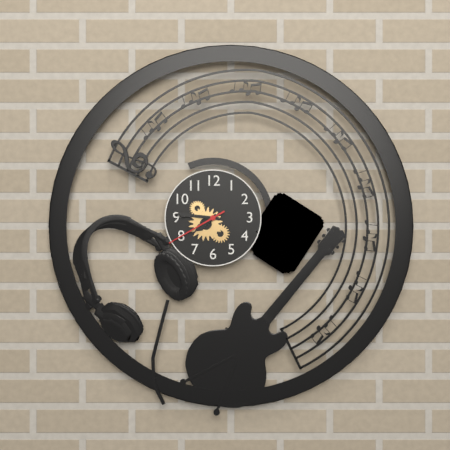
7:46:40
